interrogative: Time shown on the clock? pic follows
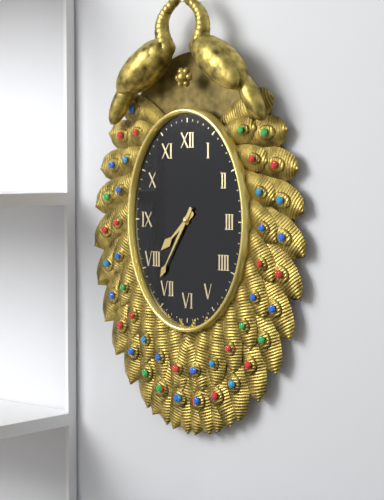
7:35
